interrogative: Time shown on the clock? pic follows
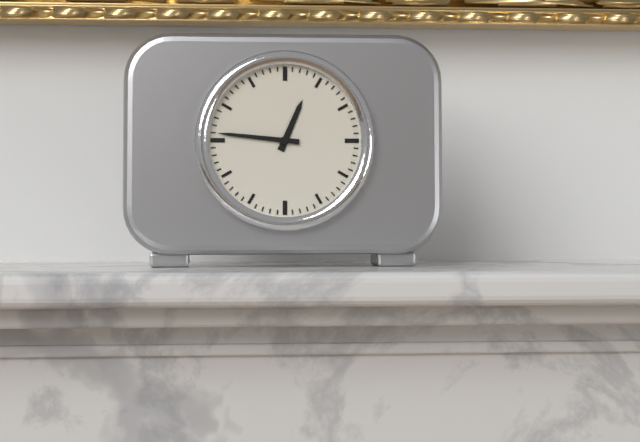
12:46
